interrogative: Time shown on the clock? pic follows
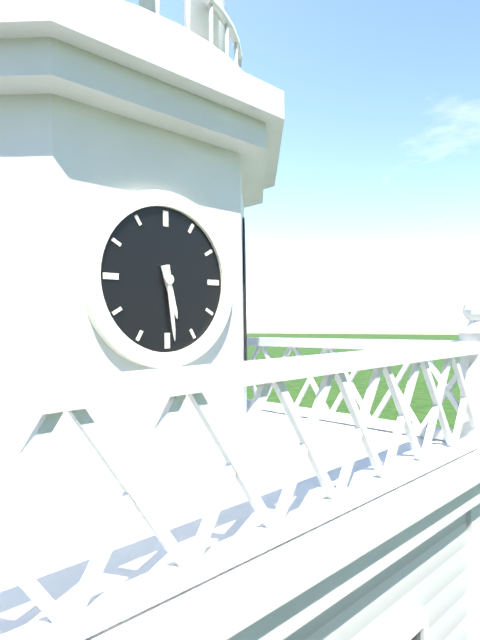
5:29
